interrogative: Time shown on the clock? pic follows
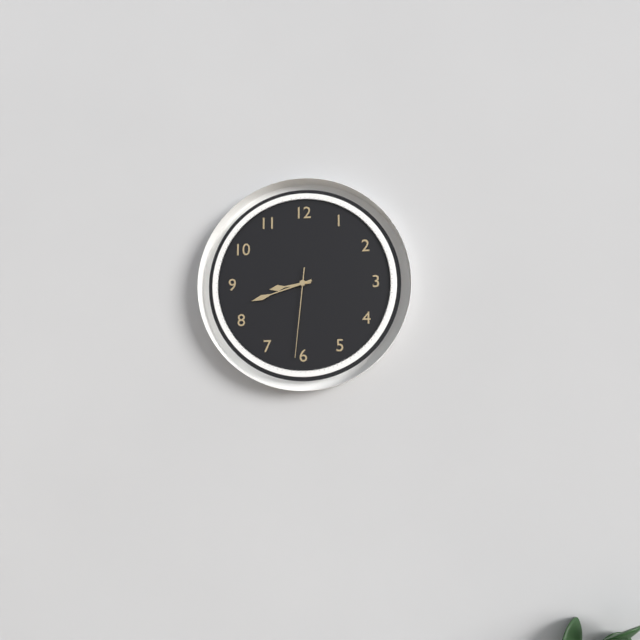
8:42:31
